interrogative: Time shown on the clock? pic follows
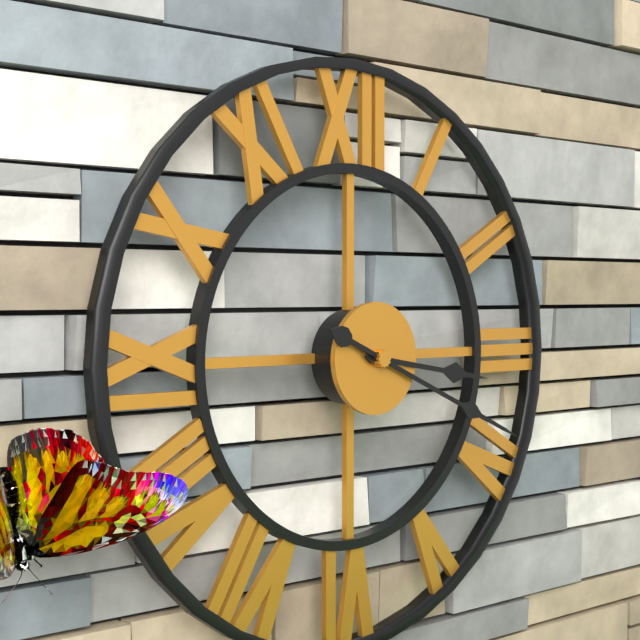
3:19
